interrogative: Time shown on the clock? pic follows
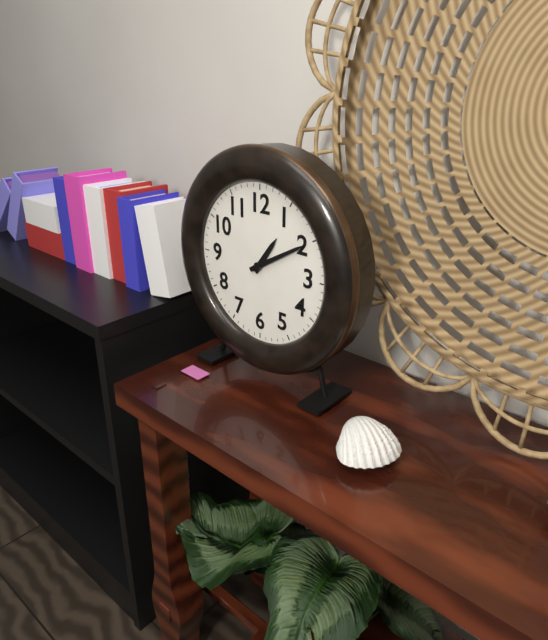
1:10
